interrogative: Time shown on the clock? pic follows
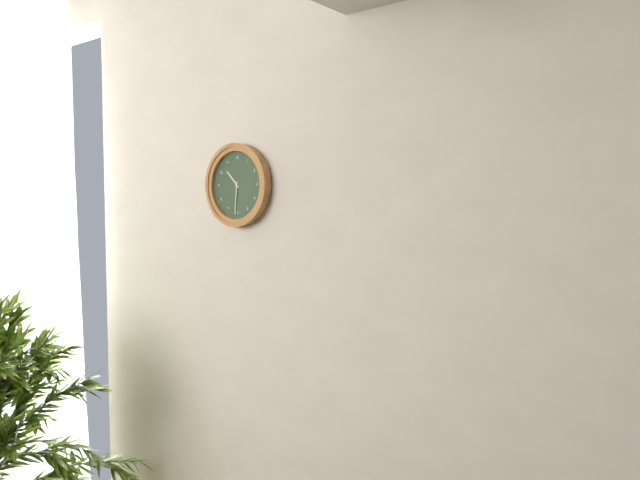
10:31
